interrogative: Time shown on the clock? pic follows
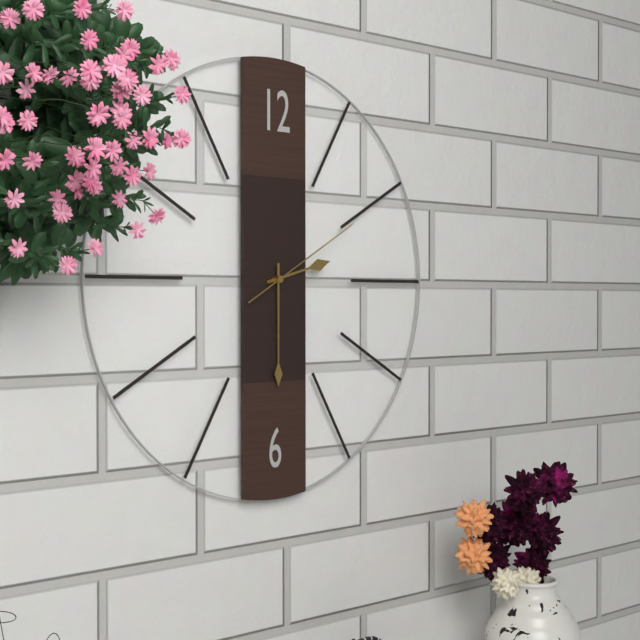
2:30:10
